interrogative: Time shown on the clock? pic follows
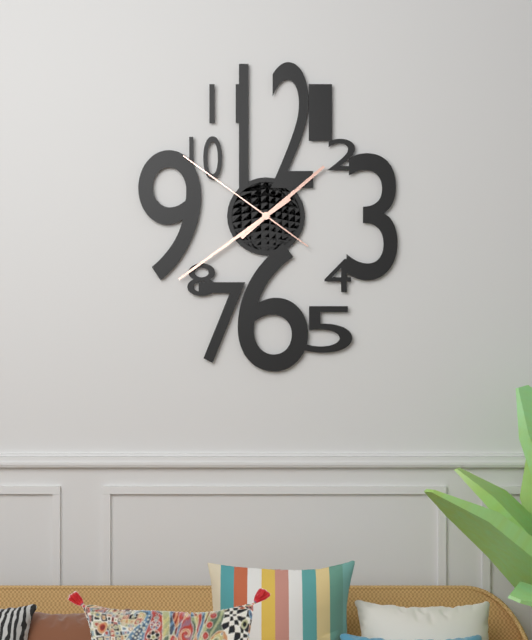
1:39:51
